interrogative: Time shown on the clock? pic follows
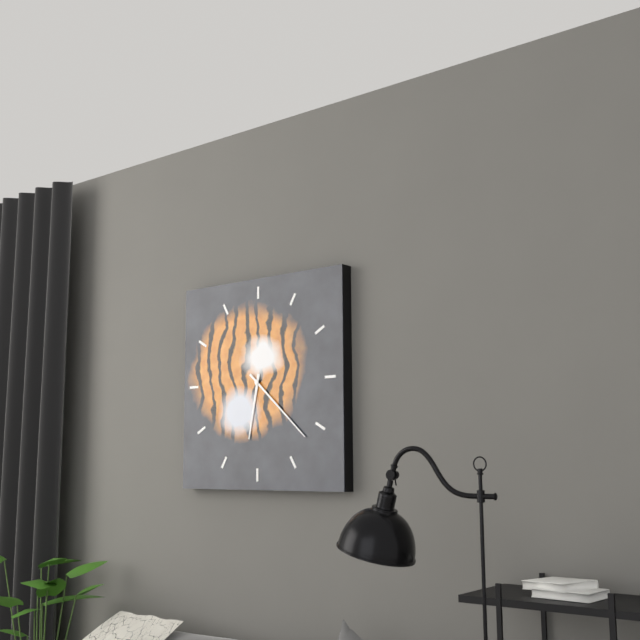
6:22
